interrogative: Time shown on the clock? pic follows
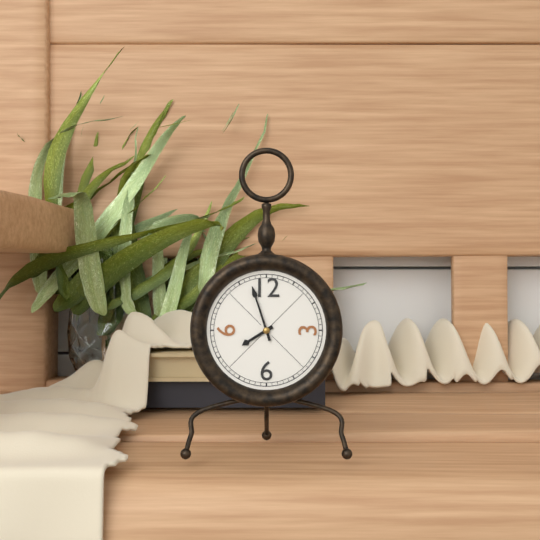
7:57
